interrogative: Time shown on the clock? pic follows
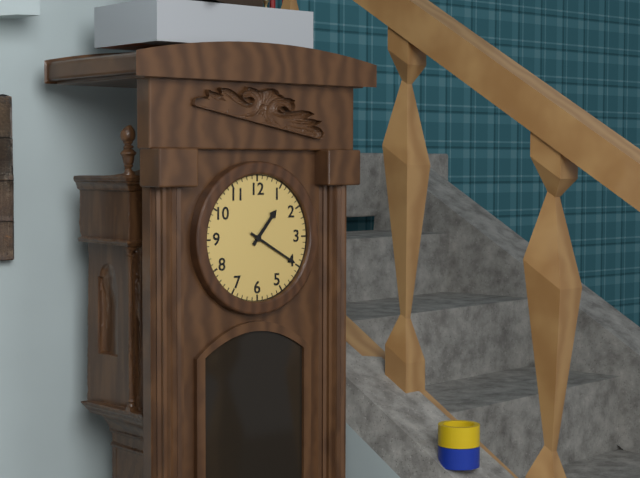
1:20
